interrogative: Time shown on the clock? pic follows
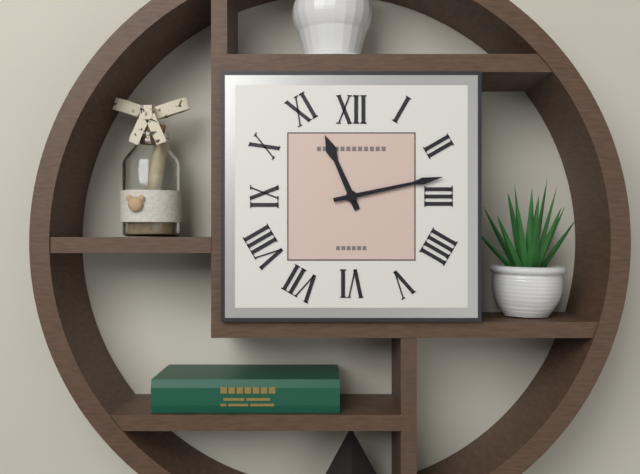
11:13
